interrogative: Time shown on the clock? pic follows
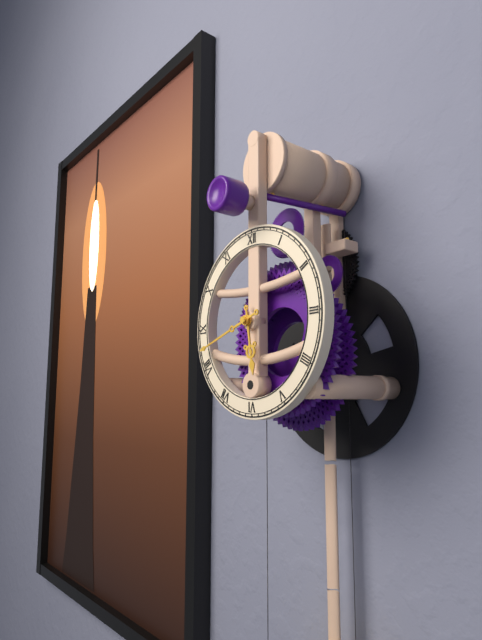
5:42
